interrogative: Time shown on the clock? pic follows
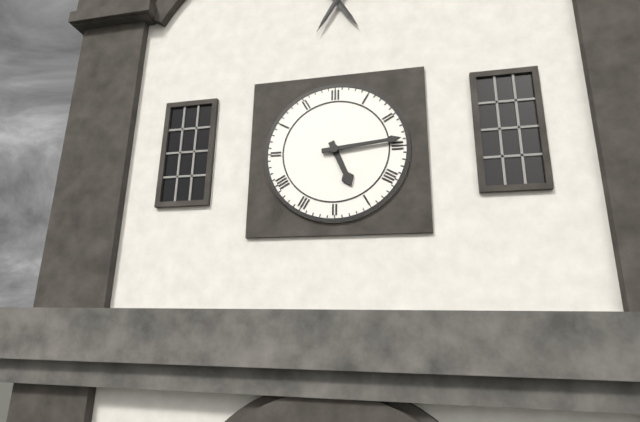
5:14
